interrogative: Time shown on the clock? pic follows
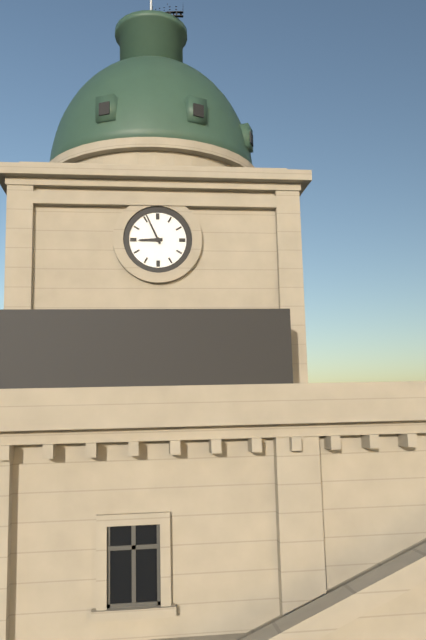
8:56
